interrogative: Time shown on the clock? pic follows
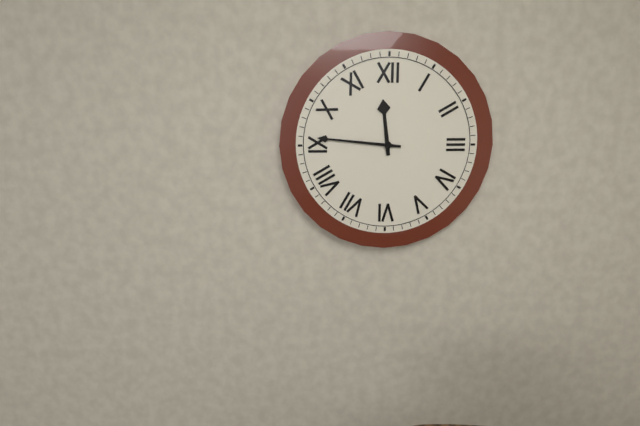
11:46
